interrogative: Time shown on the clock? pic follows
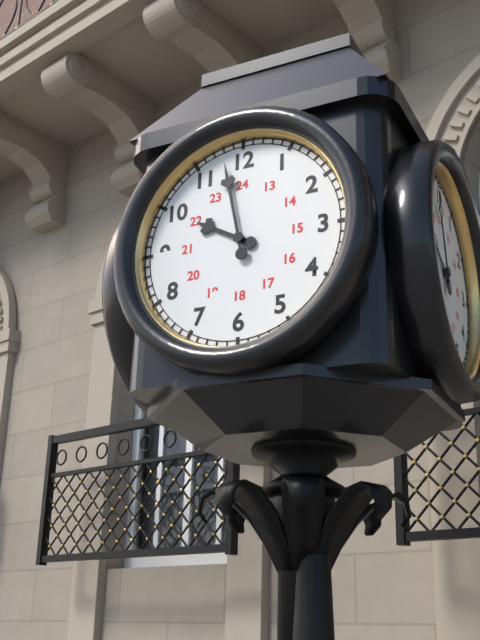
9:58
